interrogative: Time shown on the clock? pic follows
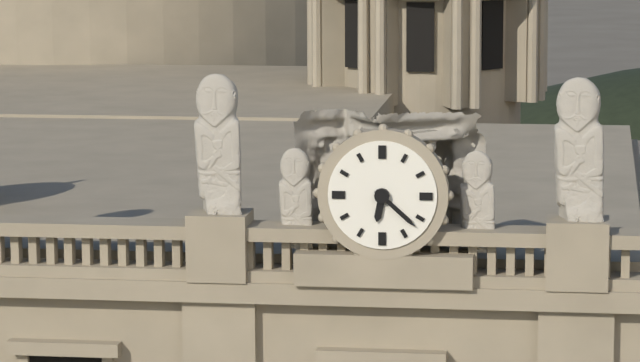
6:22
